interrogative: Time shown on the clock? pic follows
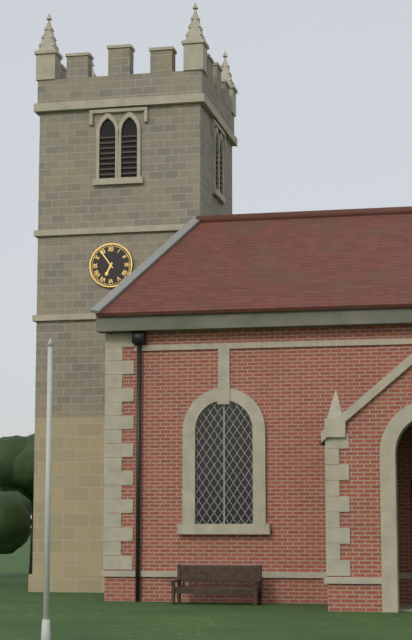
6:54
